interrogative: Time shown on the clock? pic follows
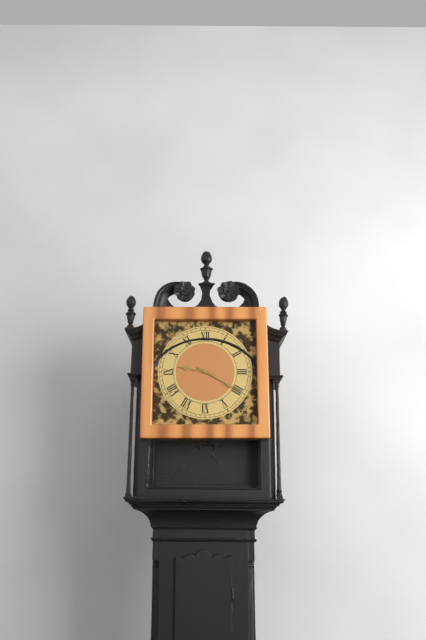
9:20
